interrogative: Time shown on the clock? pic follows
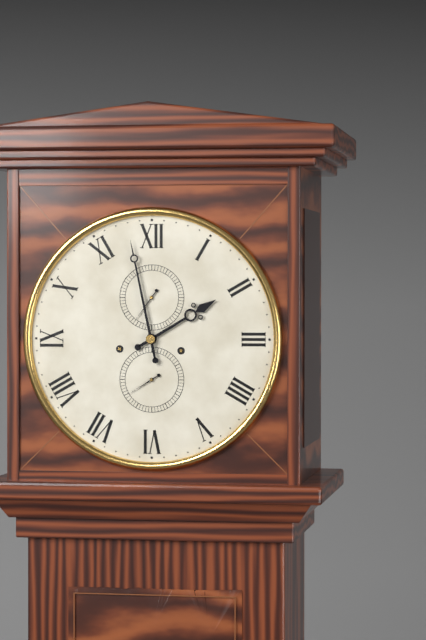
1:58
